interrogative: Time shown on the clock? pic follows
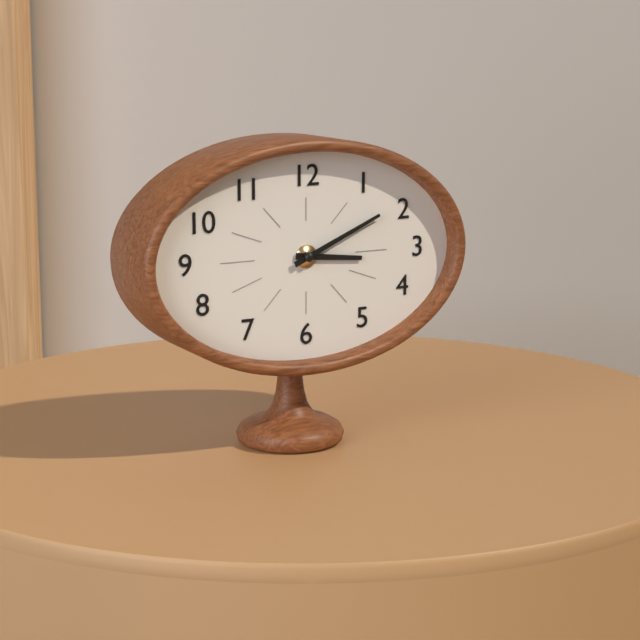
3:11
